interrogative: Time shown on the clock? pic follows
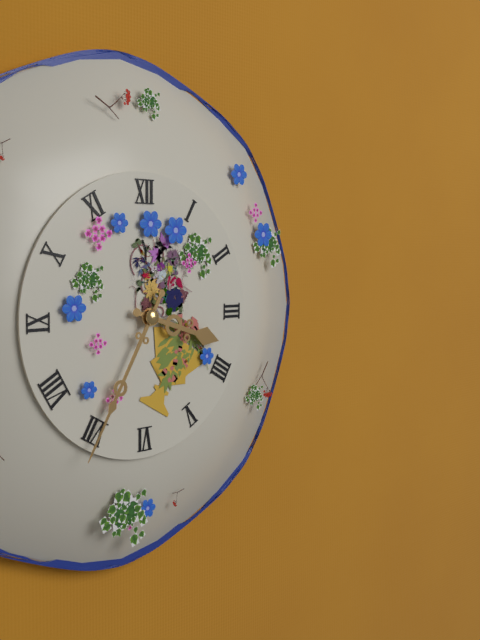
3:35
